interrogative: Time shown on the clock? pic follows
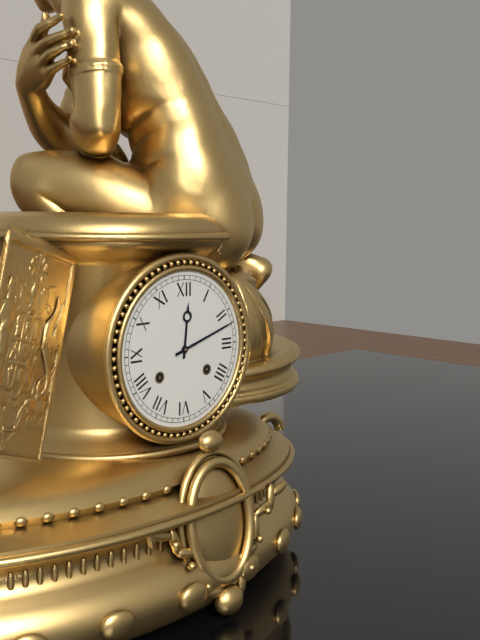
12:12
